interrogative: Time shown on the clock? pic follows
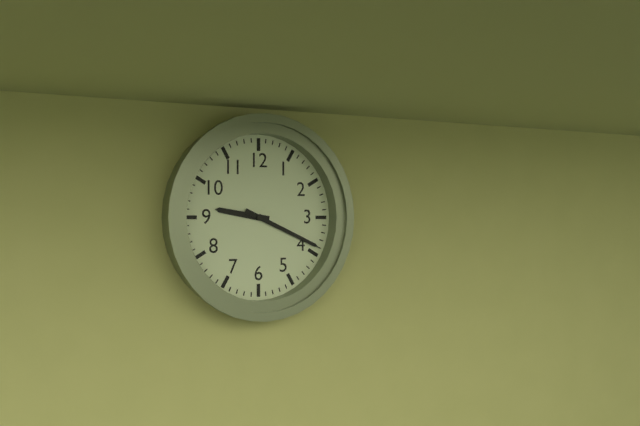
9:19
